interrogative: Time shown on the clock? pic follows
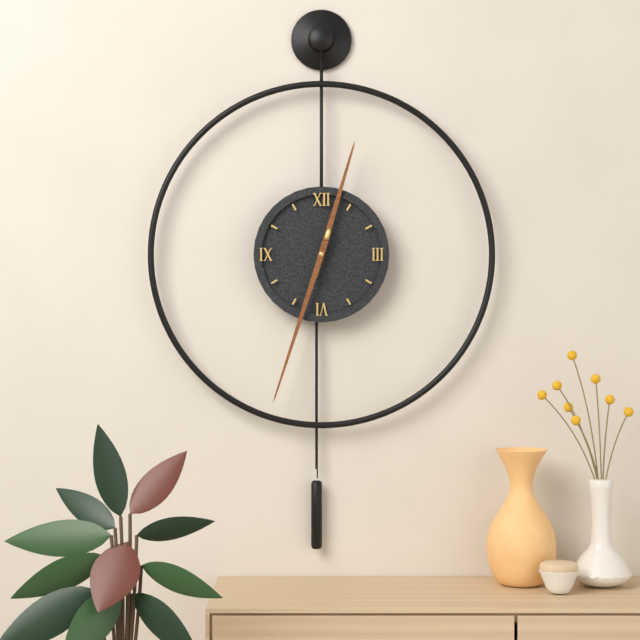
12:33
